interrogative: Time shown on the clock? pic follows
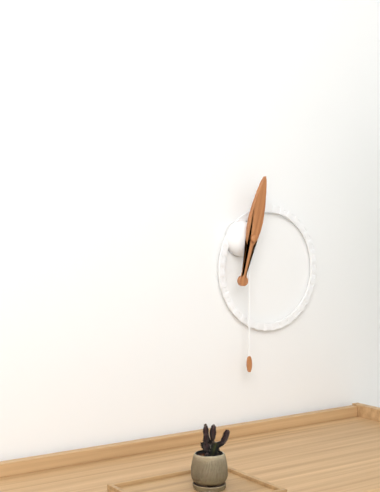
12:30
